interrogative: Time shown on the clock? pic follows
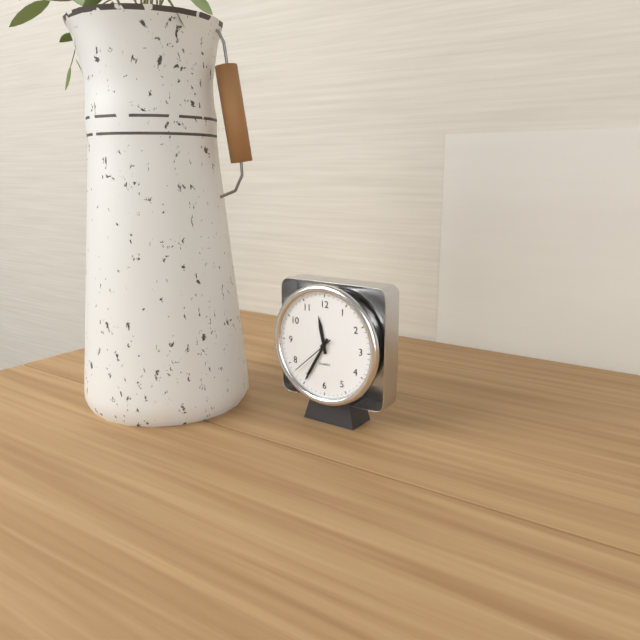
11:35
